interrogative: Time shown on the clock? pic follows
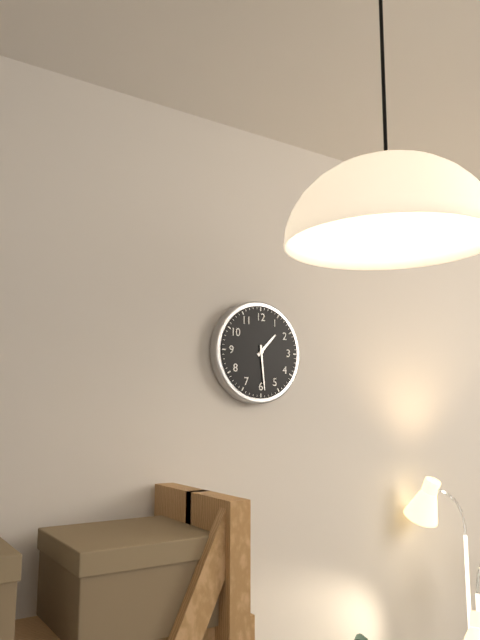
1:29
